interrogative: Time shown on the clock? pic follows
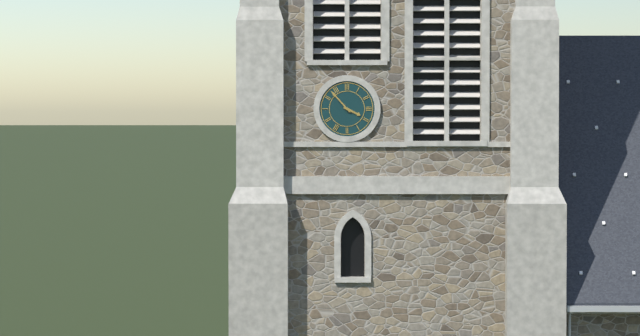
3:53
